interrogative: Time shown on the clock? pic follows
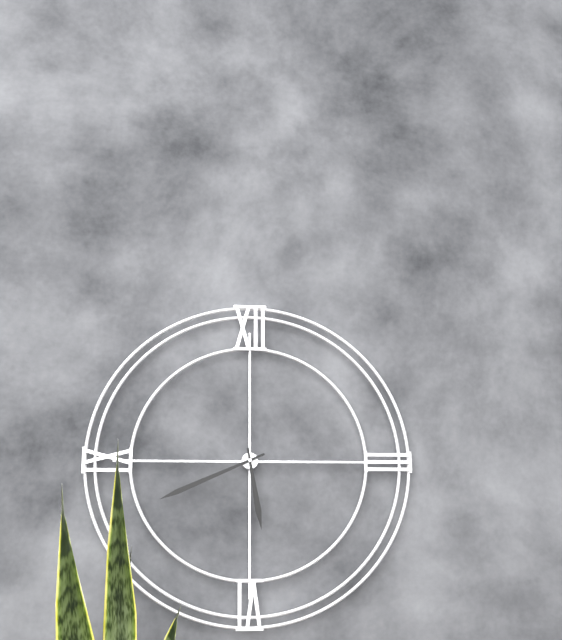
5:41
